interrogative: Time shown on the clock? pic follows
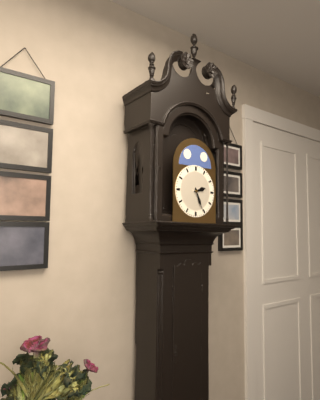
2:26
